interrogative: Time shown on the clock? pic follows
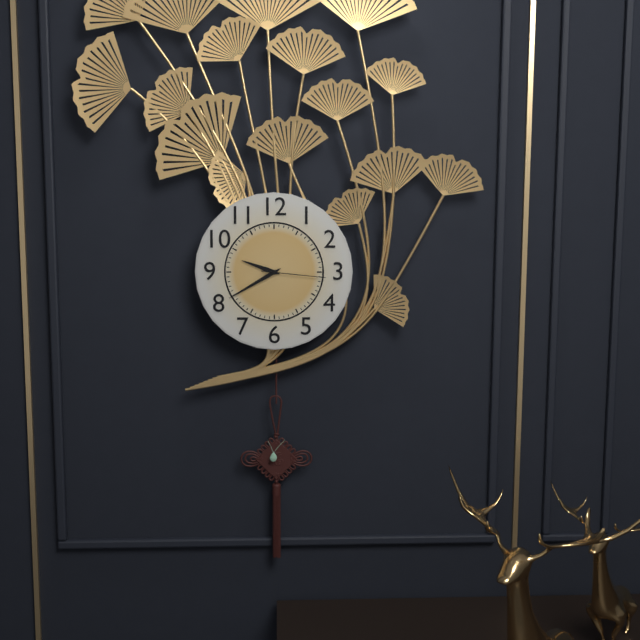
9:40:16
